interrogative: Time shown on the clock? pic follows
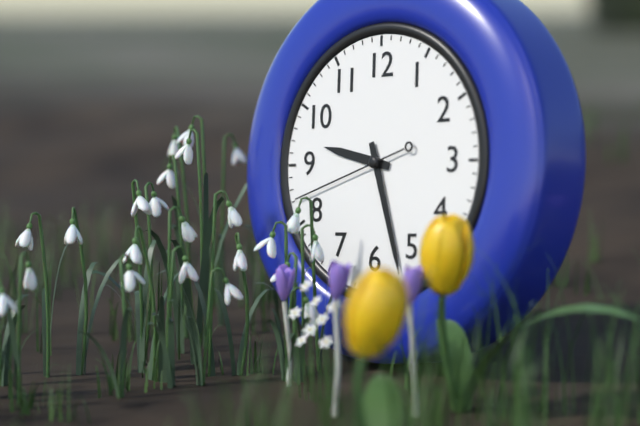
9:27:42
